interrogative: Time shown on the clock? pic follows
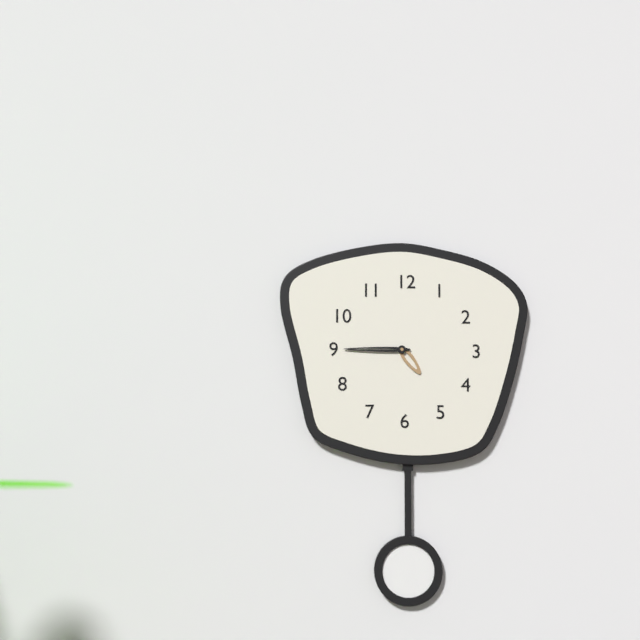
4:45
